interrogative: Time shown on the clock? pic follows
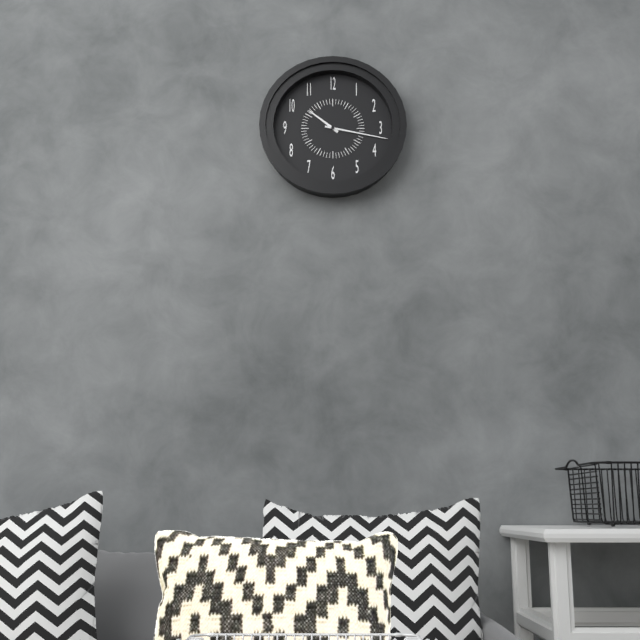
10:17
